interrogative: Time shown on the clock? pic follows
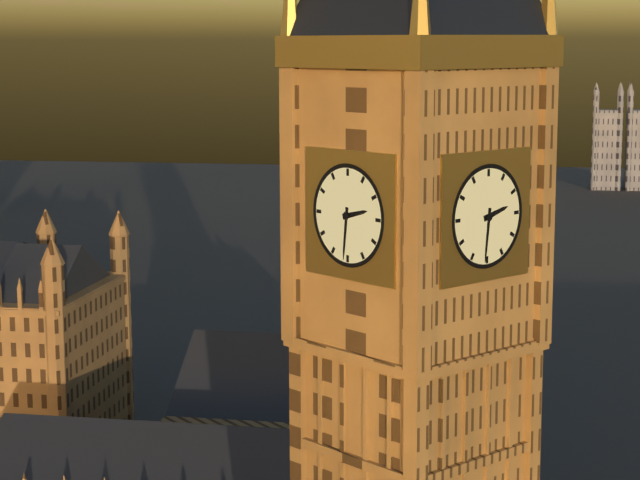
2:31
